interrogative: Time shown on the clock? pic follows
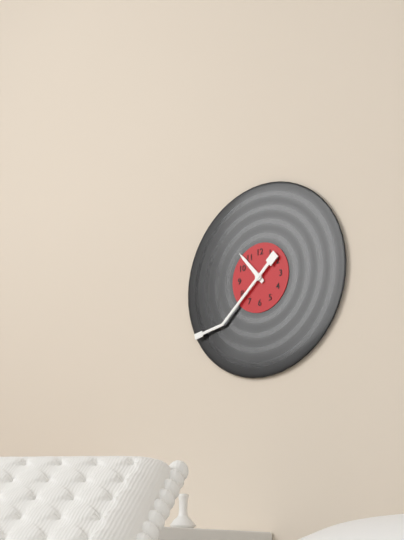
10:38
